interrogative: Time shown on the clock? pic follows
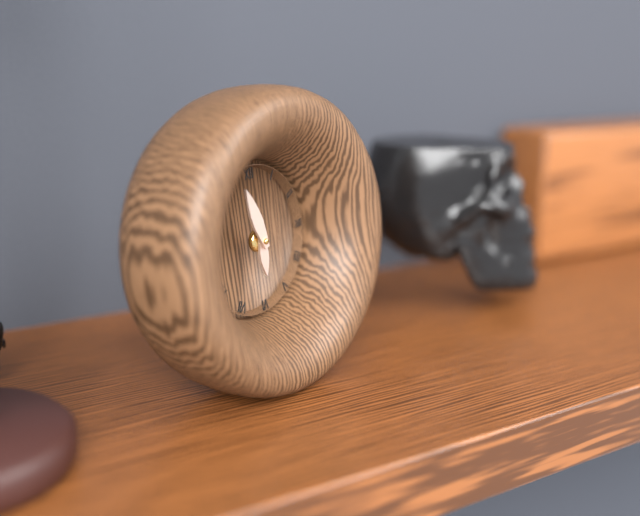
5:57
